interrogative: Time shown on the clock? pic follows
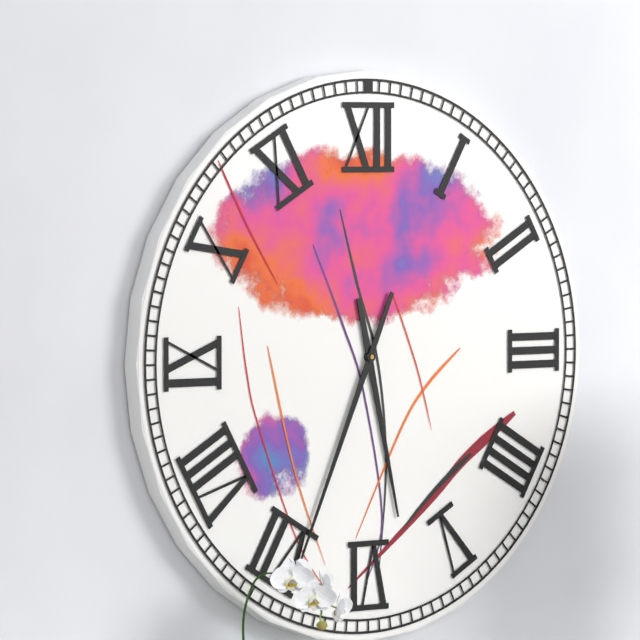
5:34
